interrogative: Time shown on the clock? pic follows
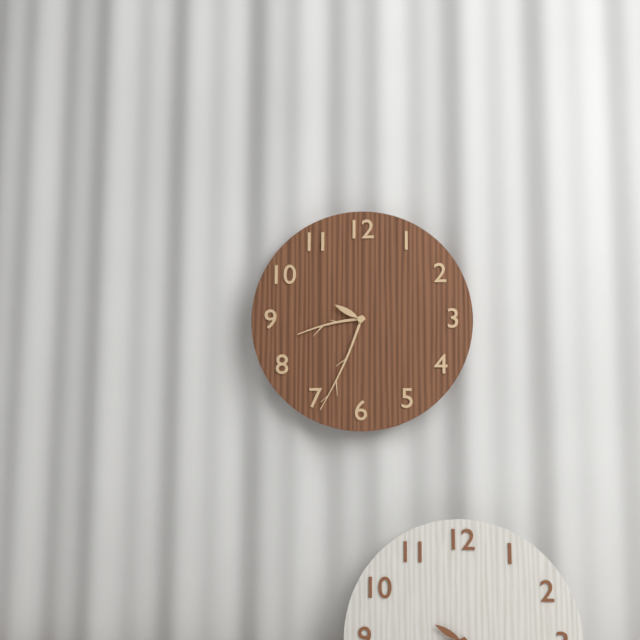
8:34
